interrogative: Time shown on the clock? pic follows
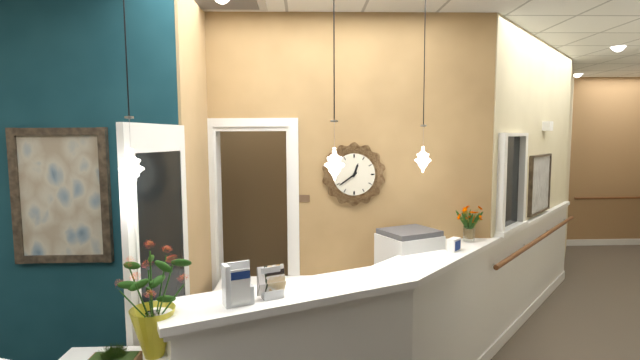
12:39
